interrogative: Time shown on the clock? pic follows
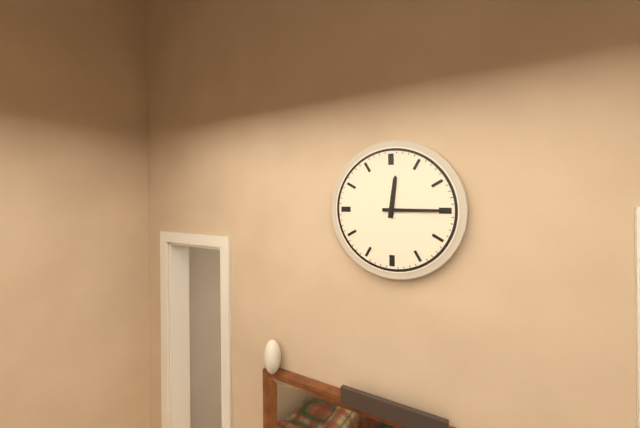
12:15
